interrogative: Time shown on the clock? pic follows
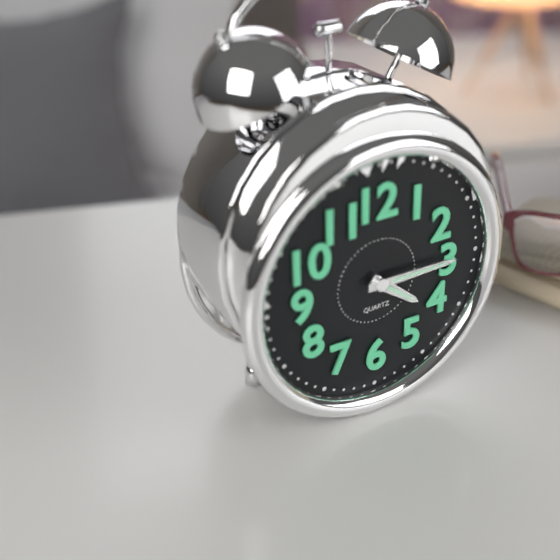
4:15
